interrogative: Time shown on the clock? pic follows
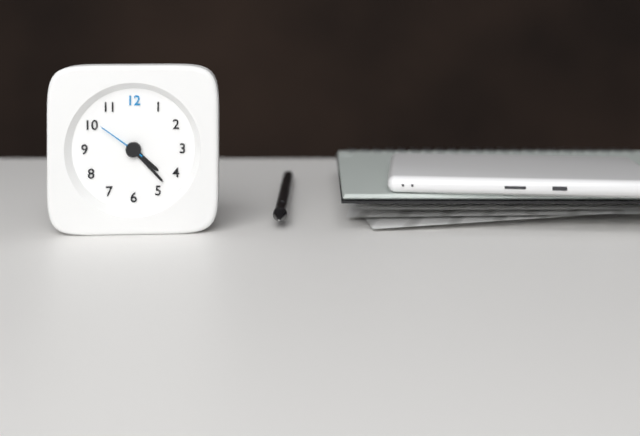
4:23:51
